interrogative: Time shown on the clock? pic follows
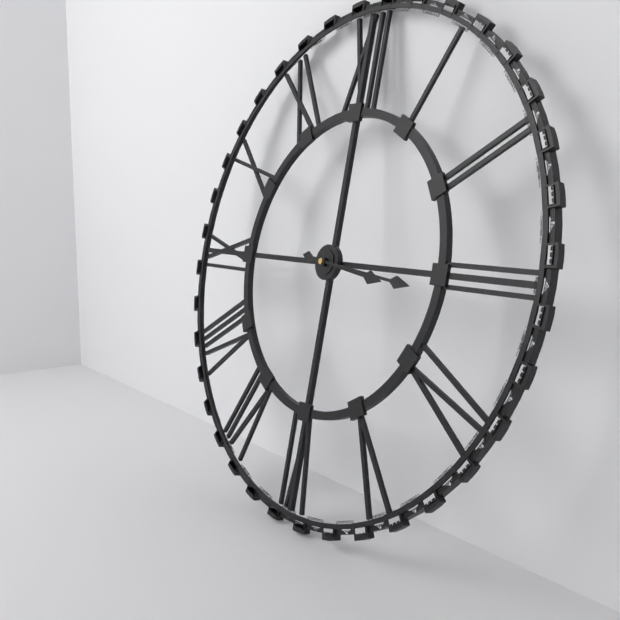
3:16
